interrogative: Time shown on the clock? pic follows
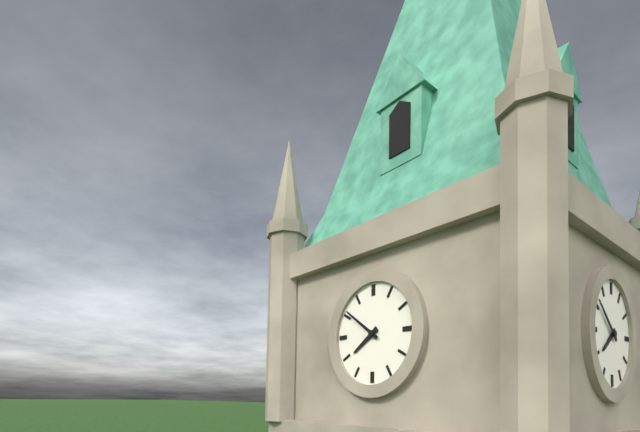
7:51
